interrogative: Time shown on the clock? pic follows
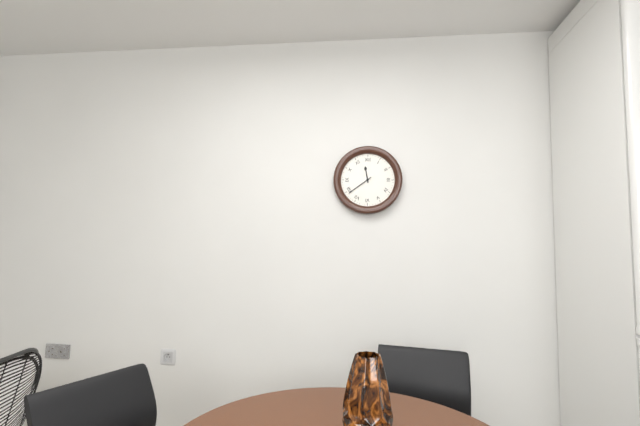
11:39
